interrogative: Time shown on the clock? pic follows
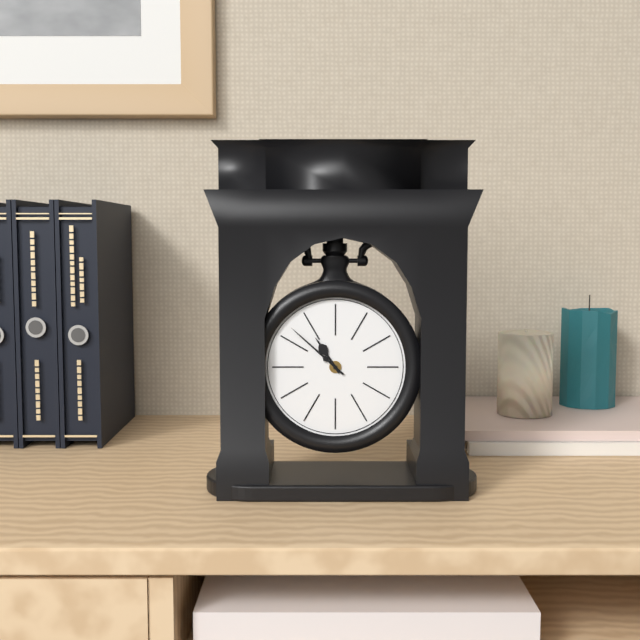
10:52
